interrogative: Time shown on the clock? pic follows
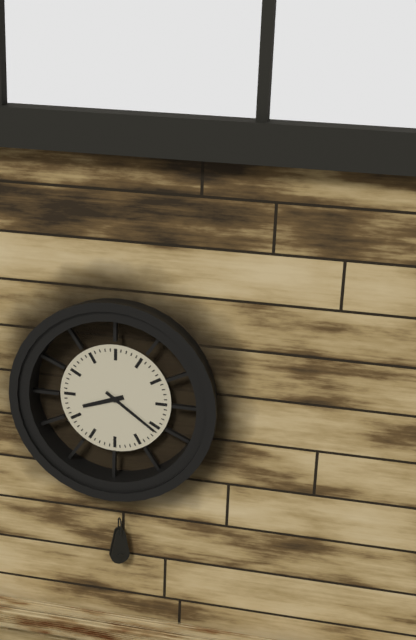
8:21
